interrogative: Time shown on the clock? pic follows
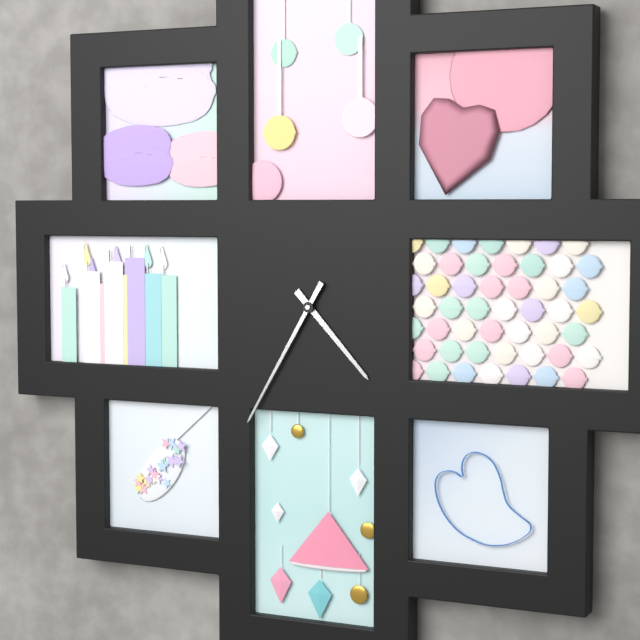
4:35
